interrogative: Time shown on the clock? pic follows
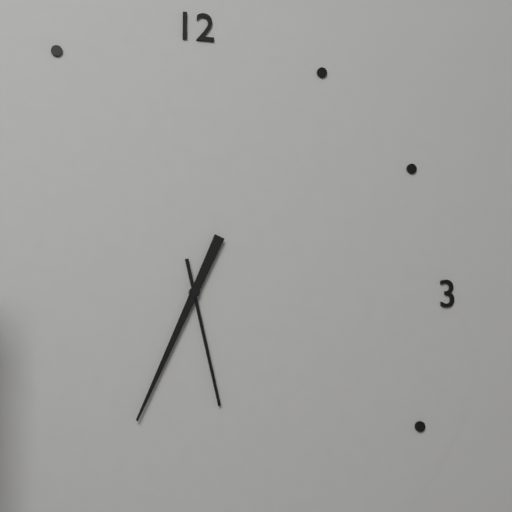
5:34
